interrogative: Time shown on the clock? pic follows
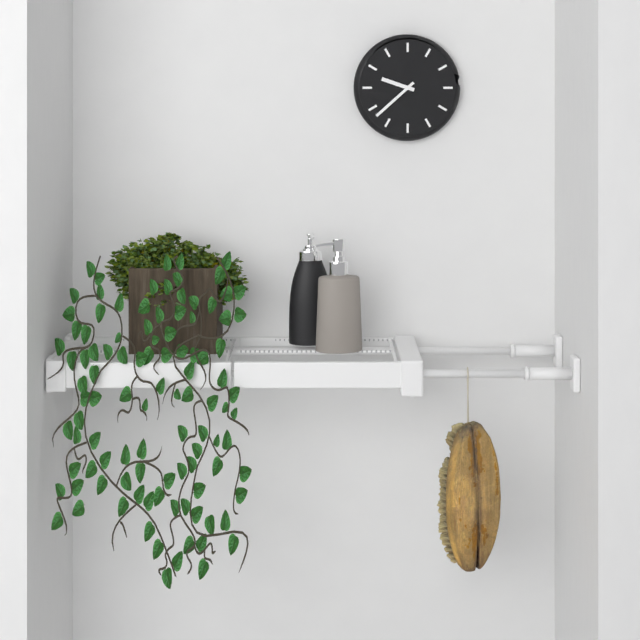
9:38
